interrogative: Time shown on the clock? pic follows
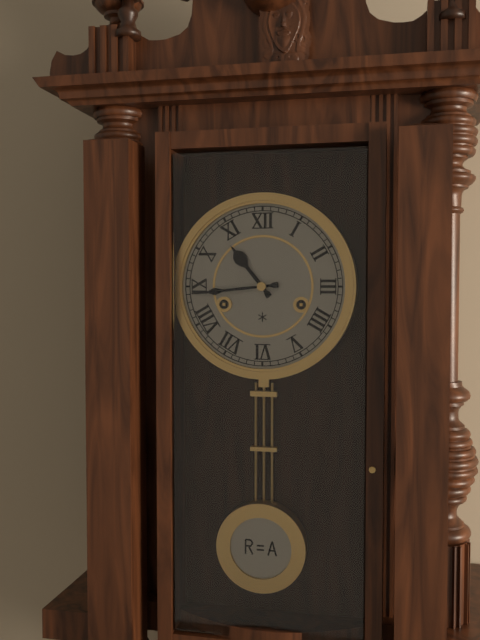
10:44
